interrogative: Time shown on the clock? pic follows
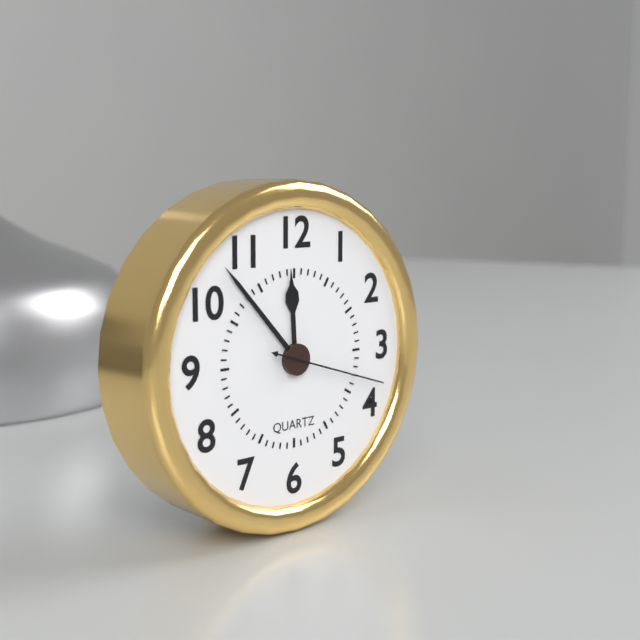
11:53:18
